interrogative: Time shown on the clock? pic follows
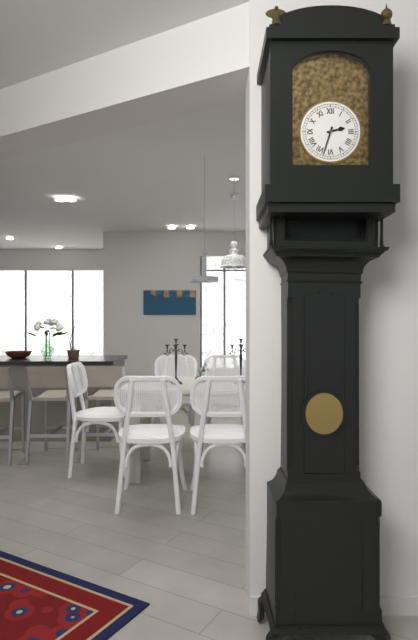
2:33
